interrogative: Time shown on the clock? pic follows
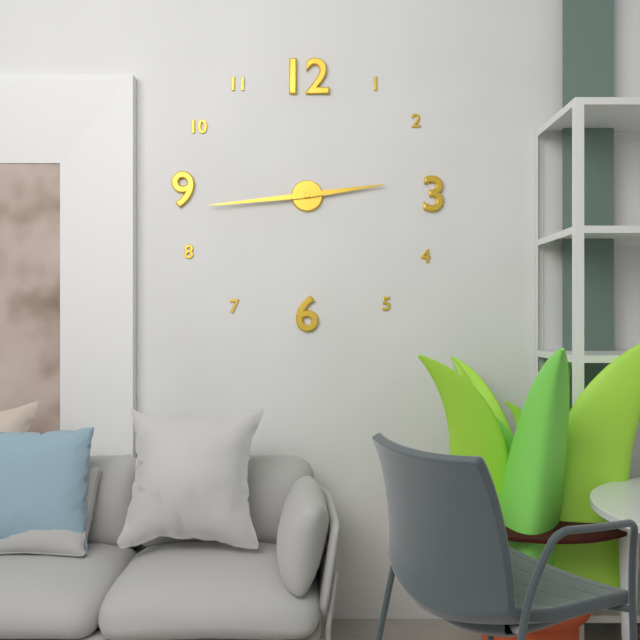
2:44
